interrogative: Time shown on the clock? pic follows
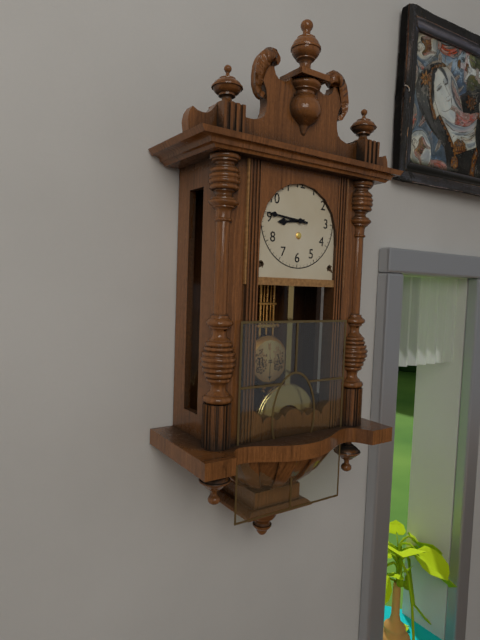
8:46
